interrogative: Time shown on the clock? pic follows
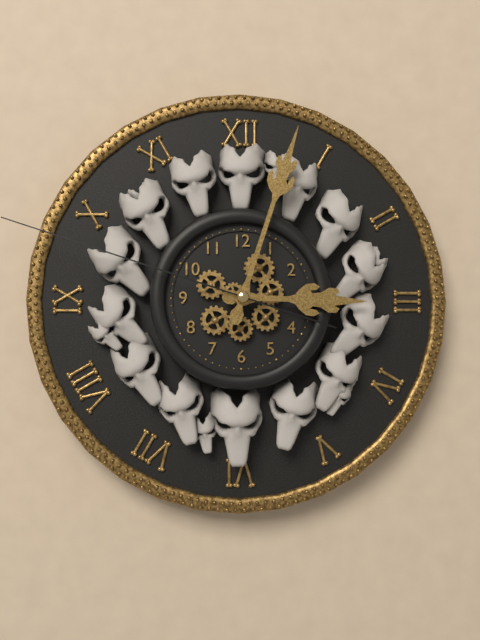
3:03:48
